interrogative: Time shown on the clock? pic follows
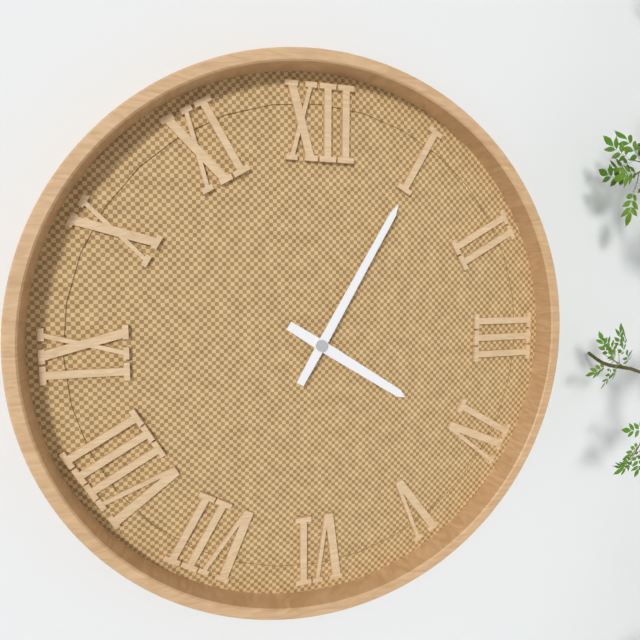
4:05
